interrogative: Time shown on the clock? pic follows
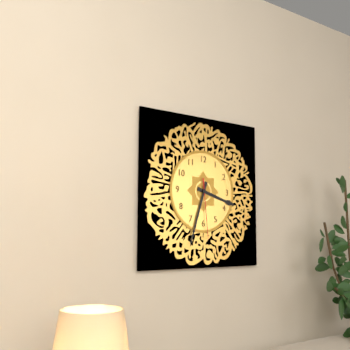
3:33:29
